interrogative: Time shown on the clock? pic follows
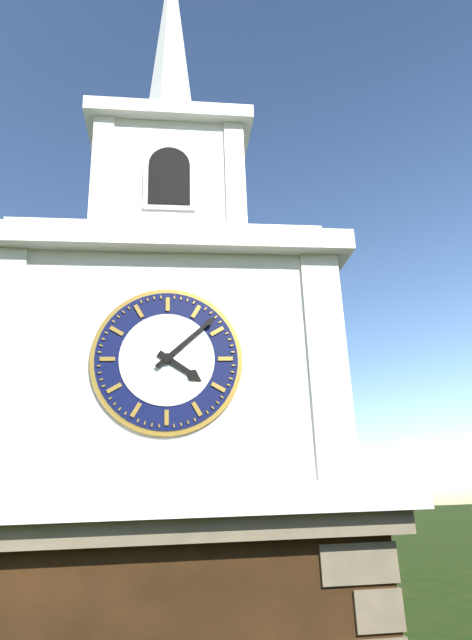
4:08
